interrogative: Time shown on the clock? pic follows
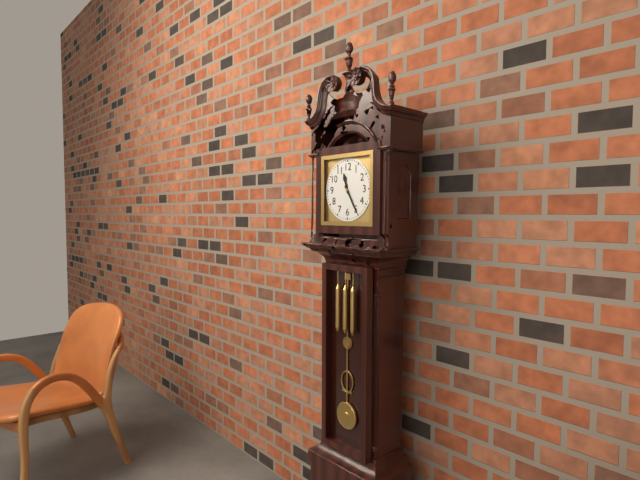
11:25
